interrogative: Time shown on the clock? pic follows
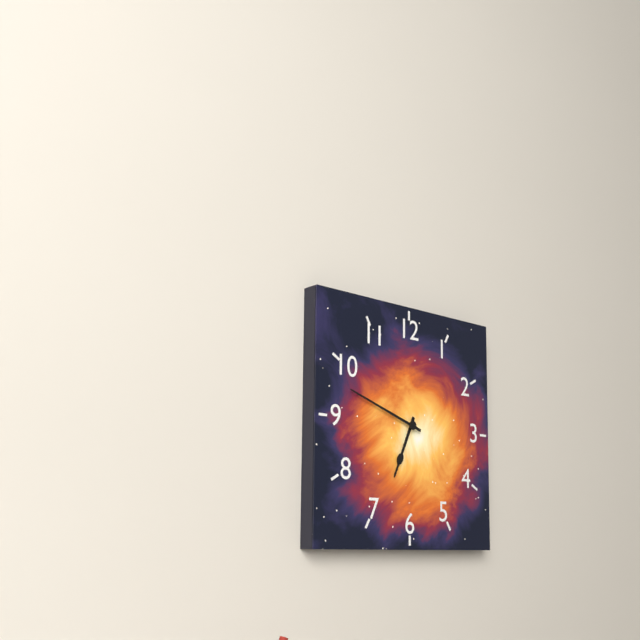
6:48
